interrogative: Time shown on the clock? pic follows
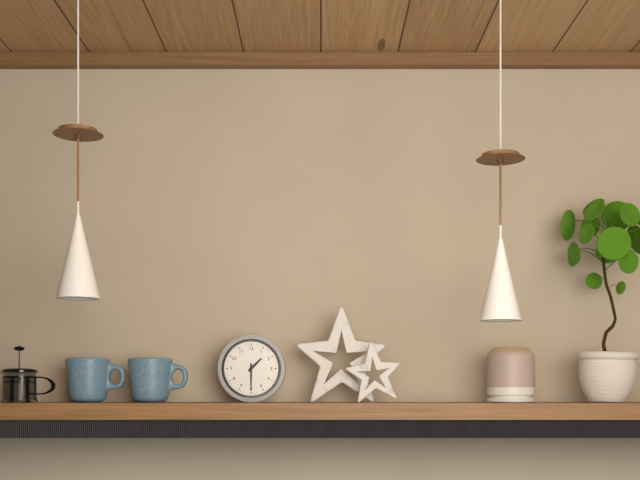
1:30
